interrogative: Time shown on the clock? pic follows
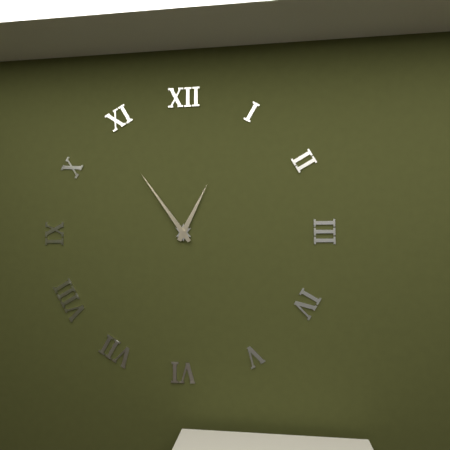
12:54
